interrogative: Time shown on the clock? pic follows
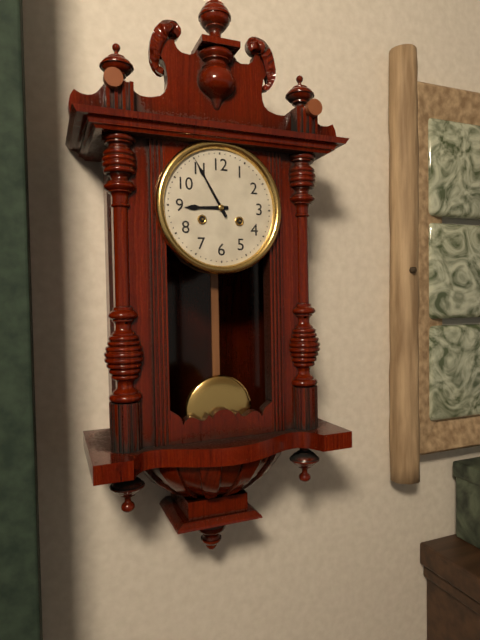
8:55
